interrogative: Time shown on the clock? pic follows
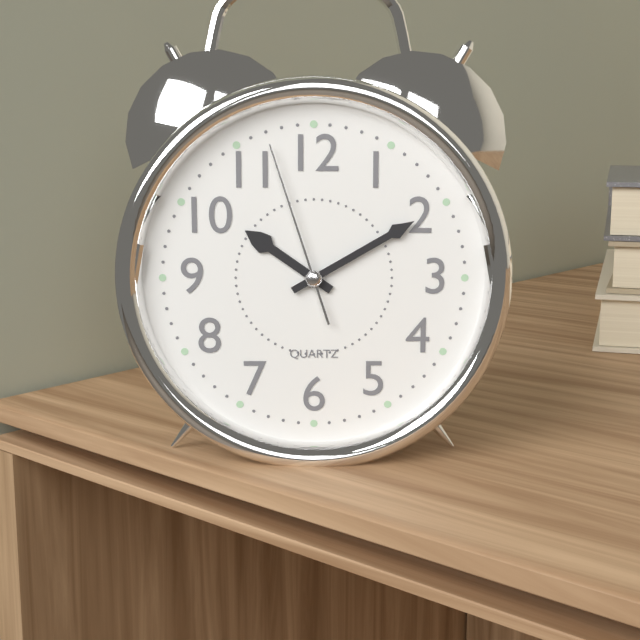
10:10:57
